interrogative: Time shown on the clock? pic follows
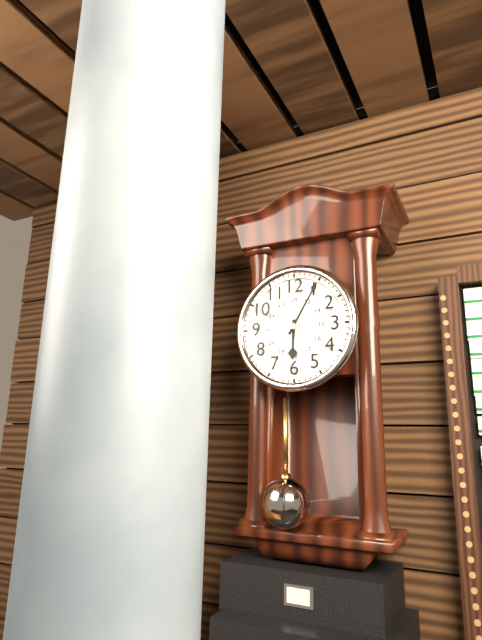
6:05
